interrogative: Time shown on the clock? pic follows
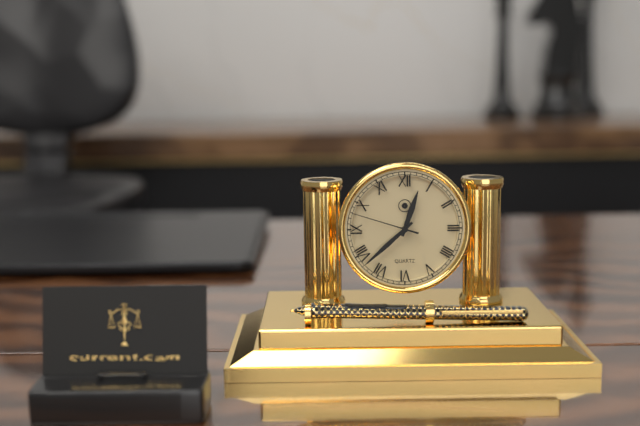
12:38:48
